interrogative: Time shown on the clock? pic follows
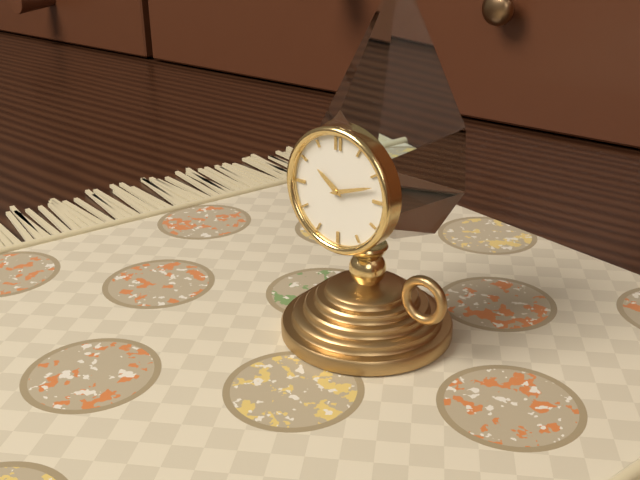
10:12
